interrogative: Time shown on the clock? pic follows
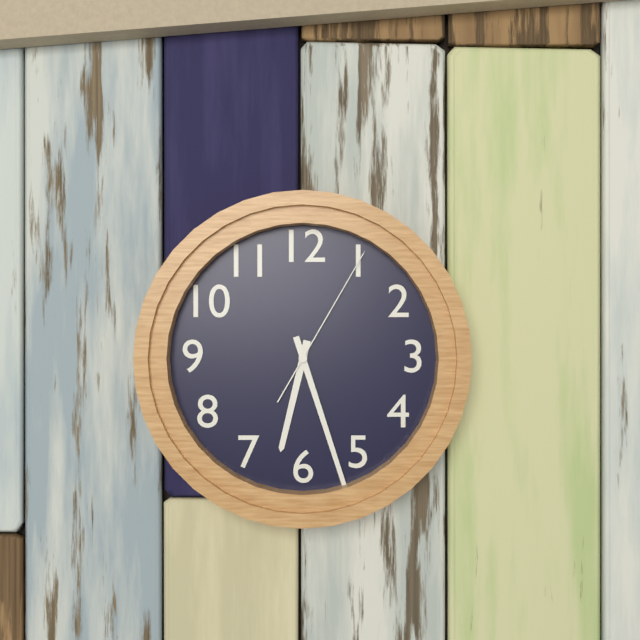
6:27:05
